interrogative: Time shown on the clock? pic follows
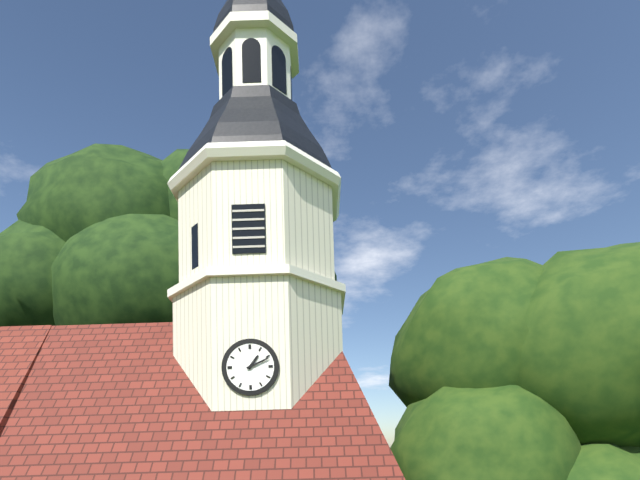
1:11
